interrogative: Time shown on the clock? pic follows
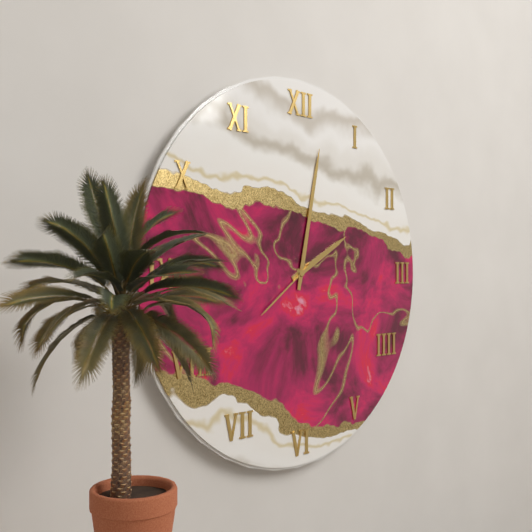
2:02:39
